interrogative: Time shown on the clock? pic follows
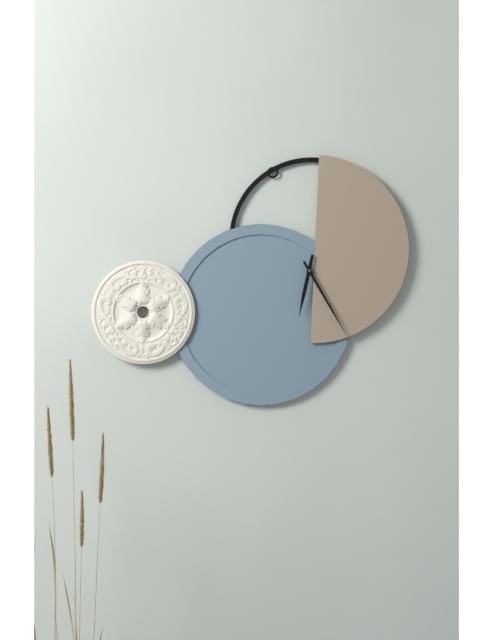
6:25
